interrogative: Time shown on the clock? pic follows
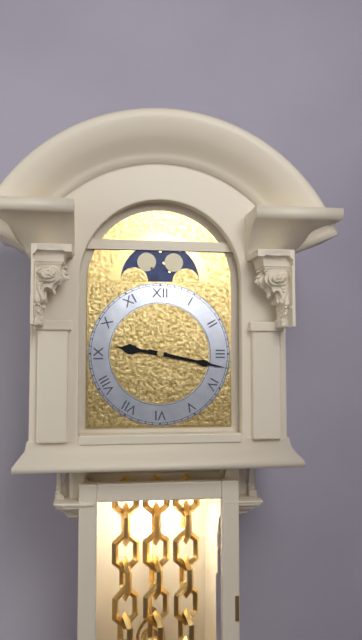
9:17
